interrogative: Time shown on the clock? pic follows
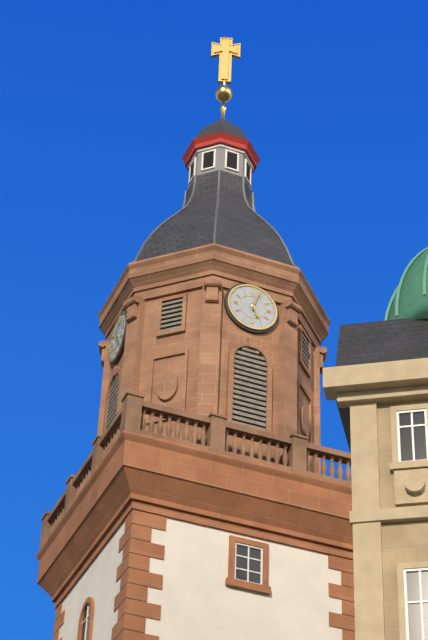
5:03
